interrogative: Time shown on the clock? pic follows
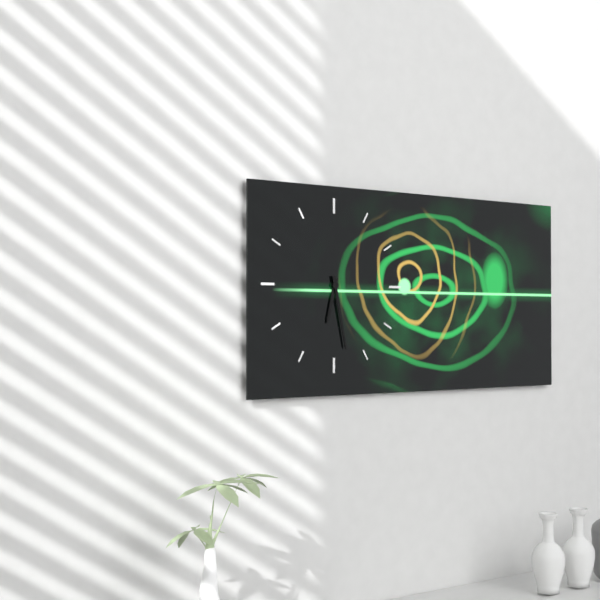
6:28
